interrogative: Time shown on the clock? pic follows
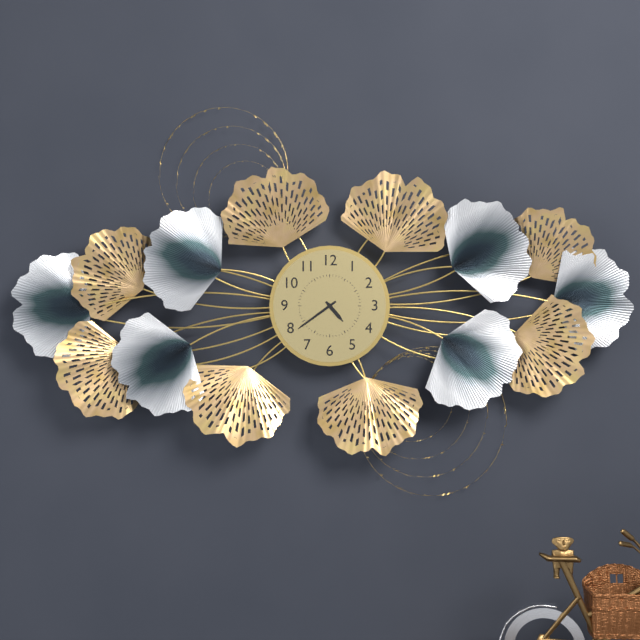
4:39
